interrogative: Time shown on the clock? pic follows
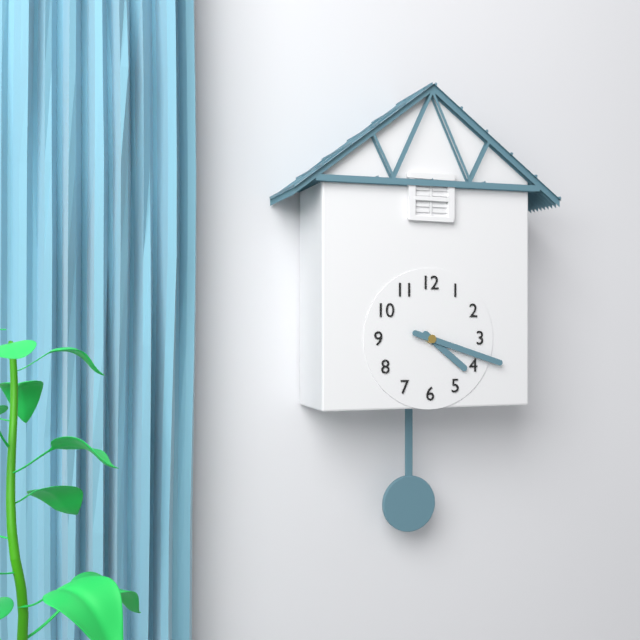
4:18
